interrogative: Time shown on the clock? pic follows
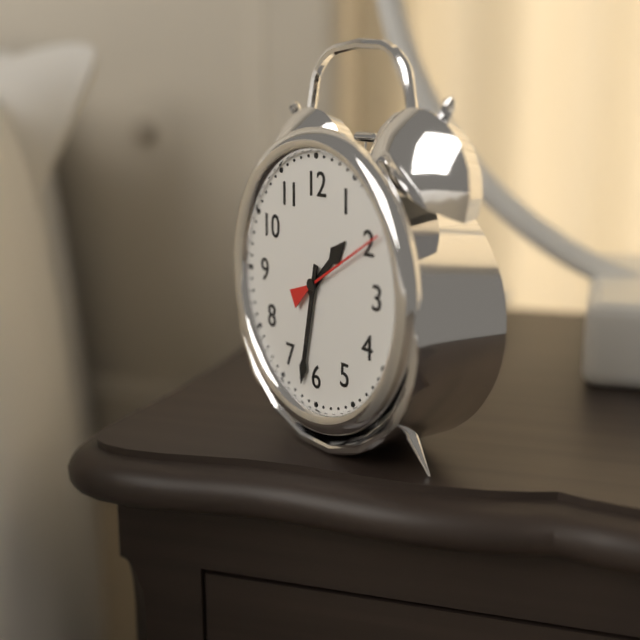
1:32:10
